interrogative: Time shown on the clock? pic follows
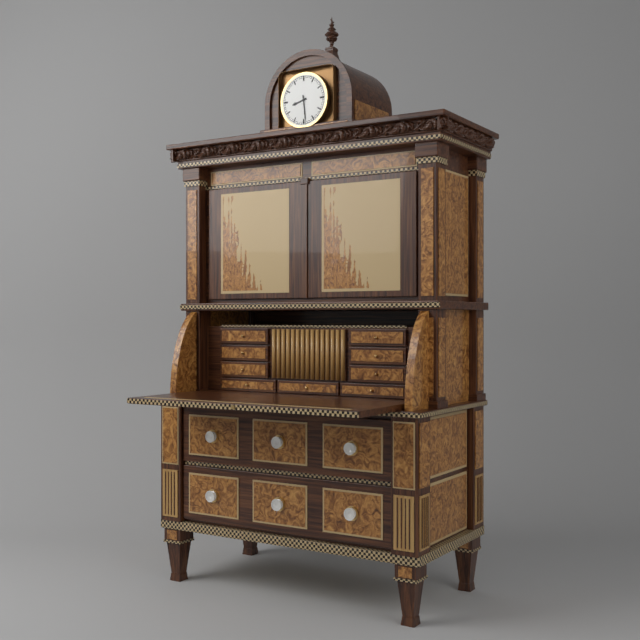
8:29
